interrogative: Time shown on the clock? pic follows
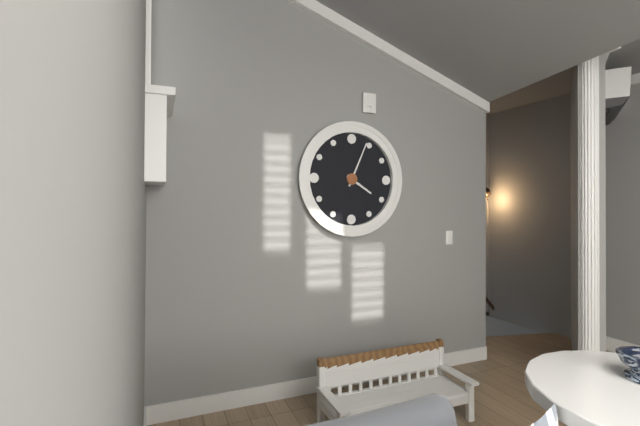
4:04
